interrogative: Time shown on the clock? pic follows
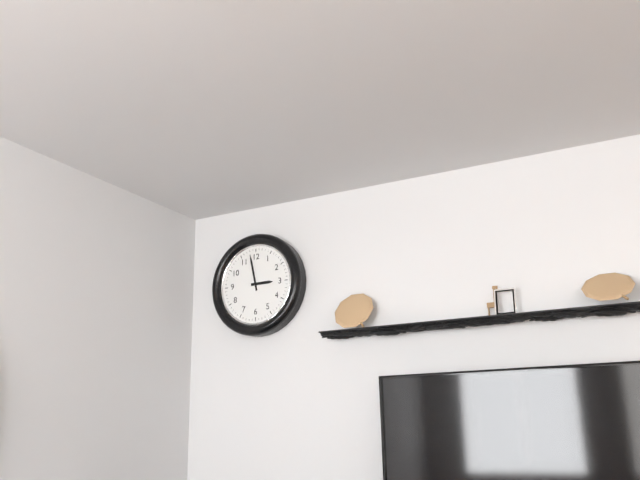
2:58
